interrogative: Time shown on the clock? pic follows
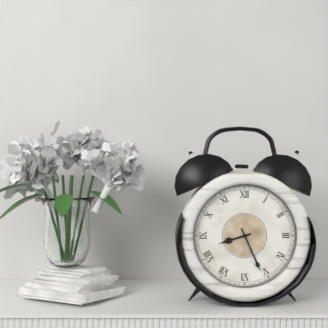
8:26
